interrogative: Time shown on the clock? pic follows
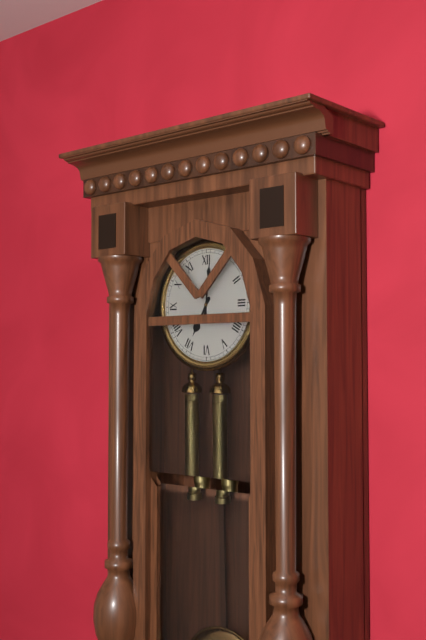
7:01
